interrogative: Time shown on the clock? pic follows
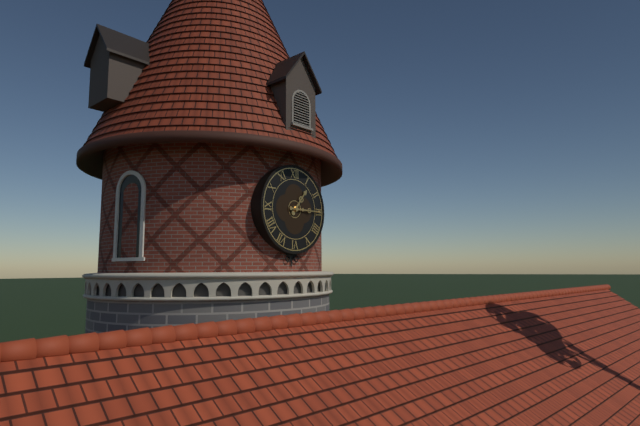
1:15
